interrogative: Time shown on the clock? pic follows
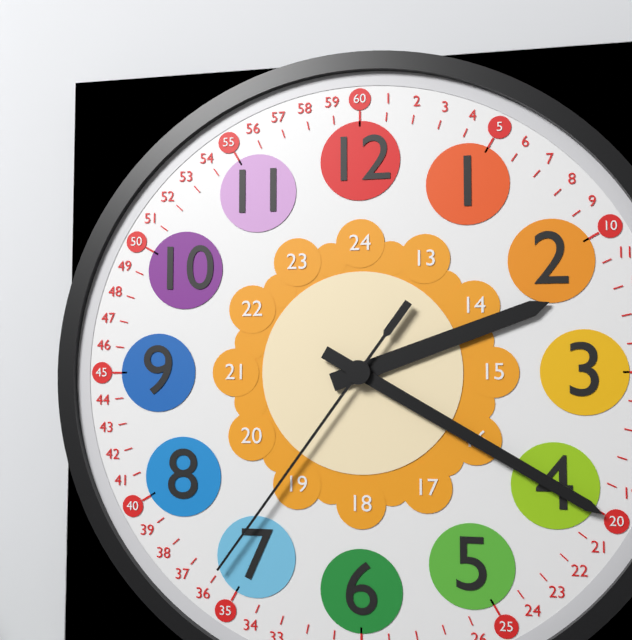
2:20:36
